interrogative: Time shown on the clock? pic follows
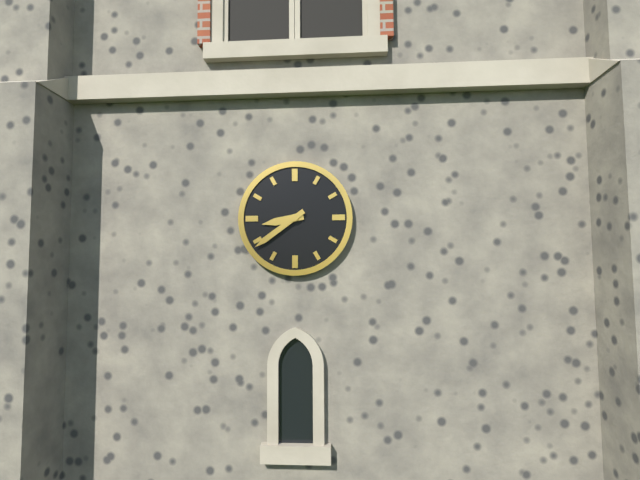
8:39
